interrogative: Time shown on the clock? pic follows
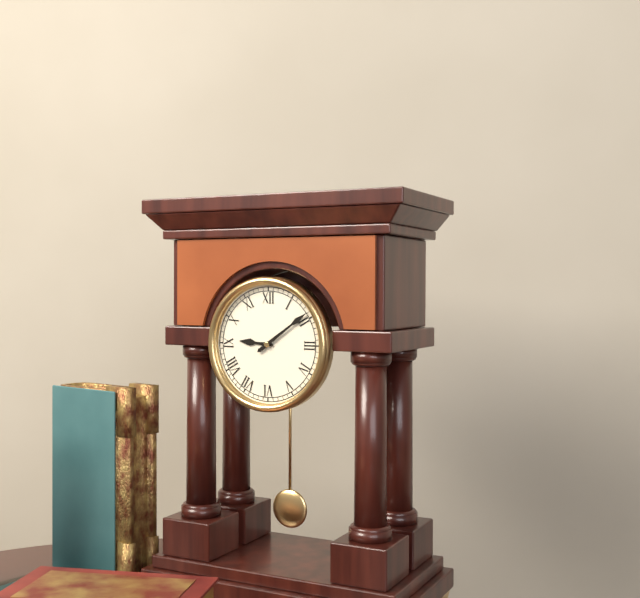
9:09
